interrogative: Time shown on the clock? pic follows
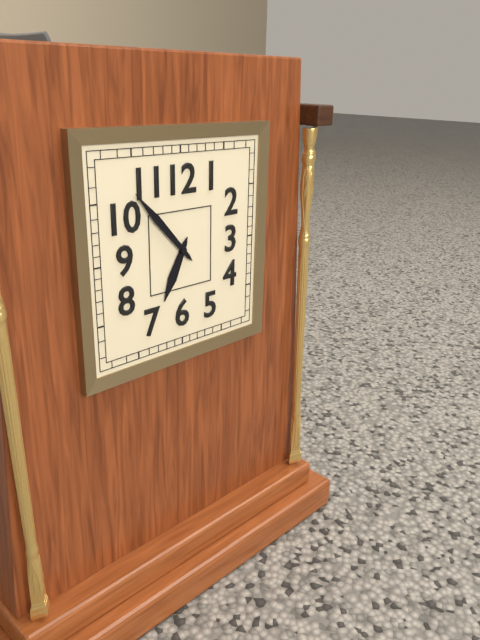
6:53
